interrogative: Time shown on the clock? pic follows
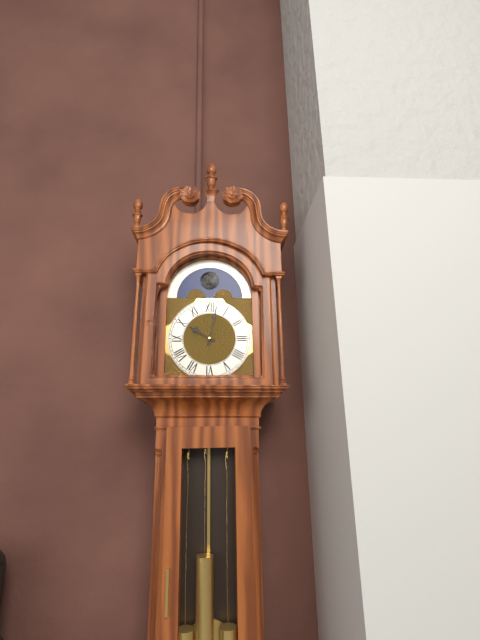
10:02
